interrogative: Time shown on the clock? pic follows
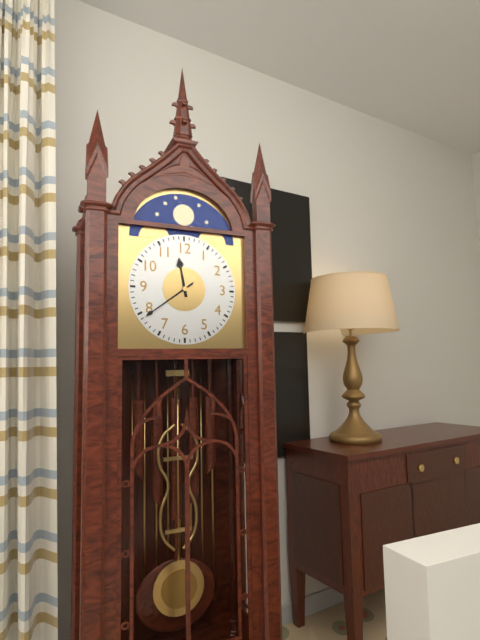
11:39
